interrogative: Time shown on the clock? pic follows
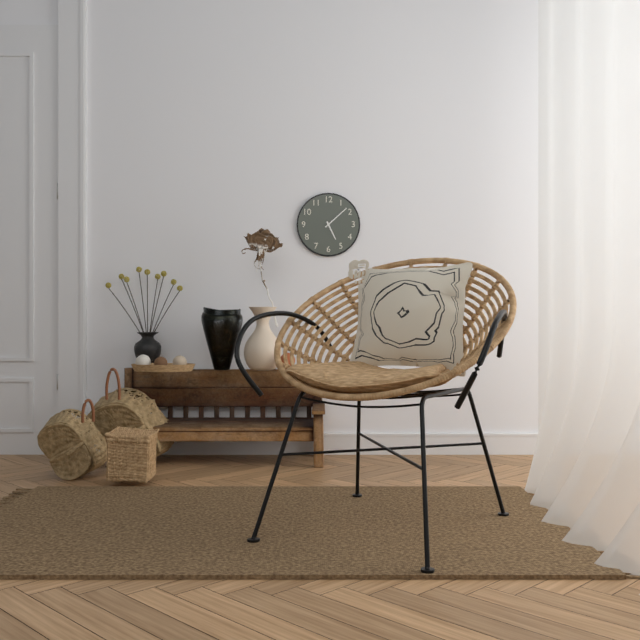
5:08
